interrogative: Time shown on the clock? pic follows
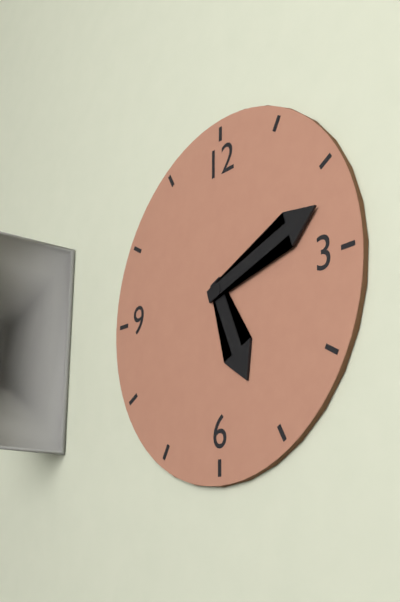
5:12
